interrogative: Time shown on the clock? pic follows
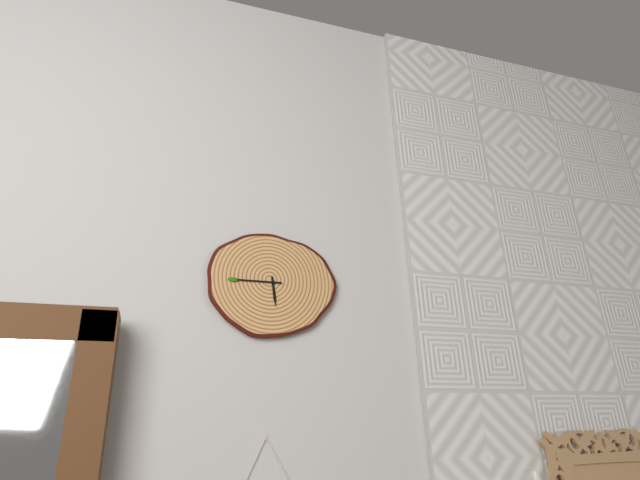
5:45
